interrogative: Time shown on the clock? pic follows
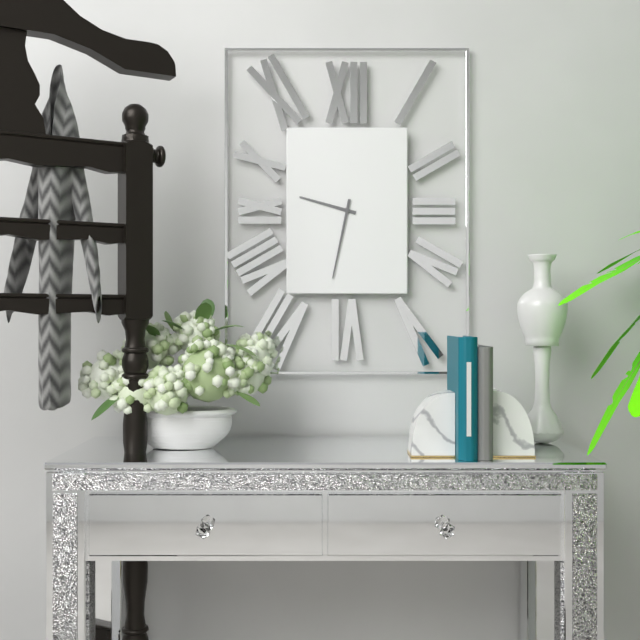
9:32
